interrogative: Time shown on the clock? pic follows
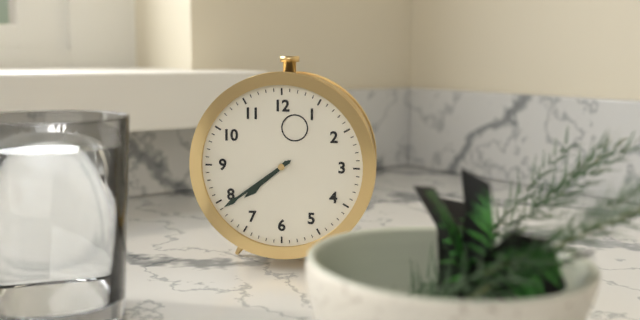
7:39
